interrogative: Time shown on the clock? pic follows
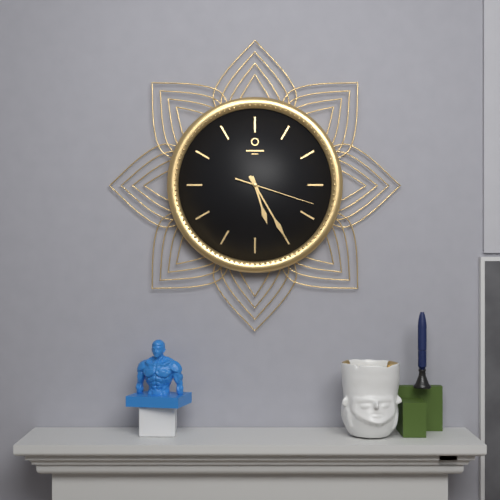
5:25:18
